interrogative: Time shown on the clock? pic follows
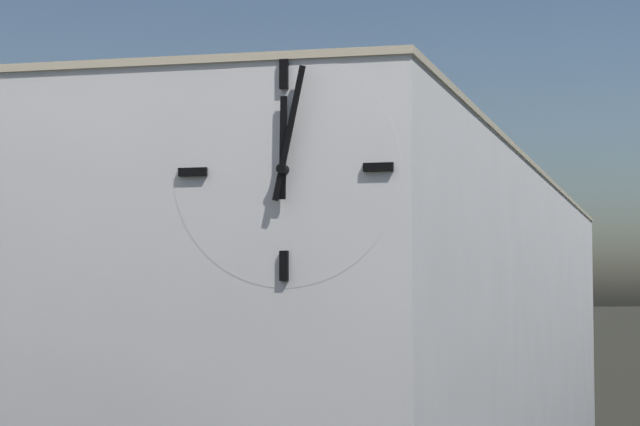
12:02
